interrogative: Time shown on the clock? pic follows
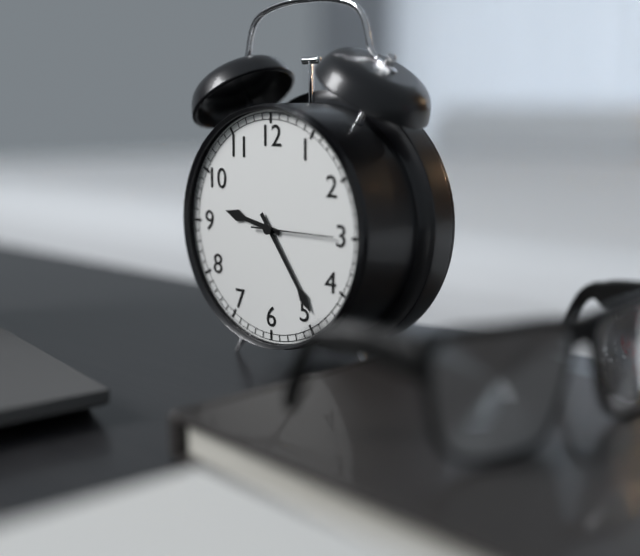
9:24:15
